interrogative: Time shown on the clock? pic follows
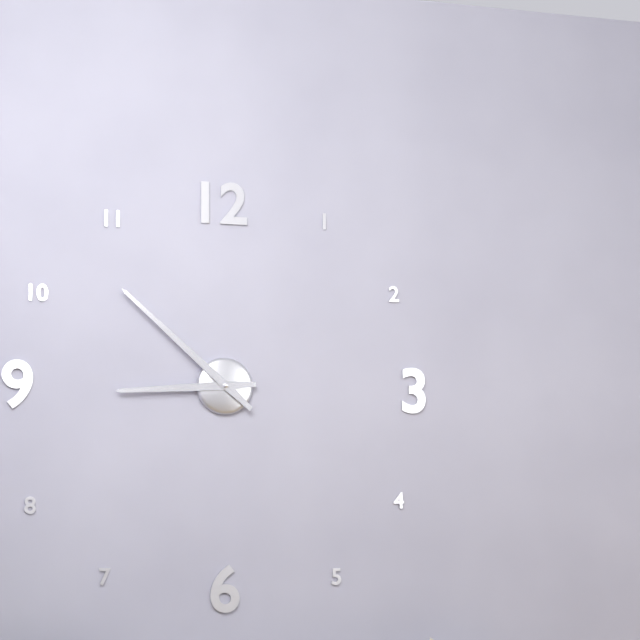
8:52
